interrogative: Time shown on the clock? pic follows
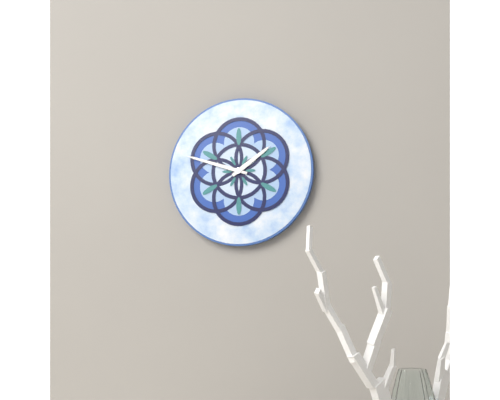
1:48
